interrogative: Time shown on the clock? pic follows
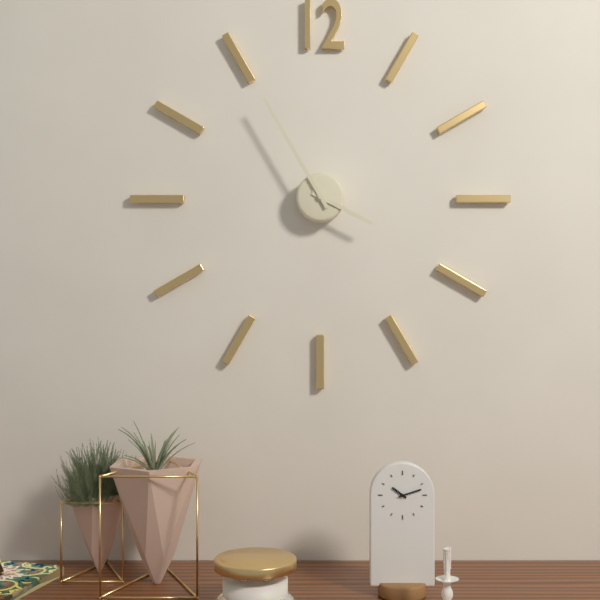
3:55
